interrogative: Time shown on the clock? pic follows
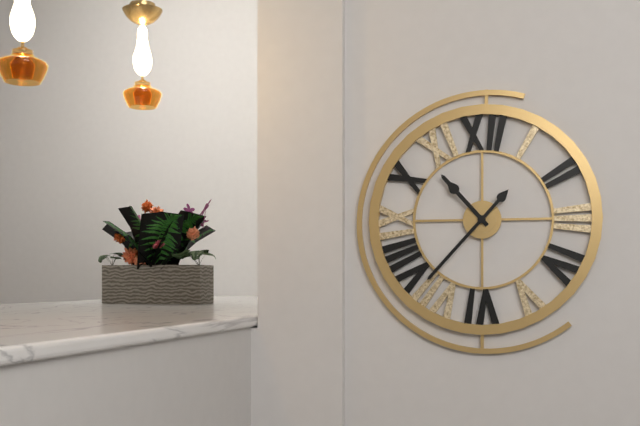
10:37
